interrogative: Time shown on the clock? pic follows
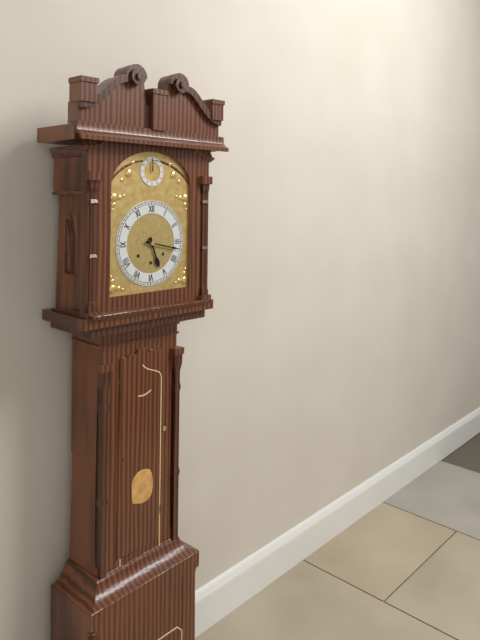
5:17
